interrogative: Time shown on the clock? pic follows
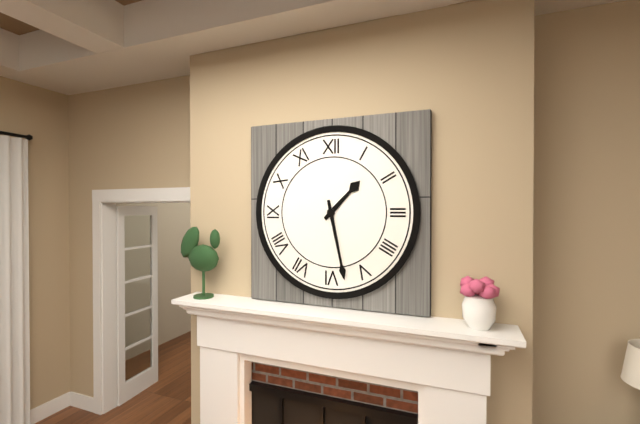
1:28
